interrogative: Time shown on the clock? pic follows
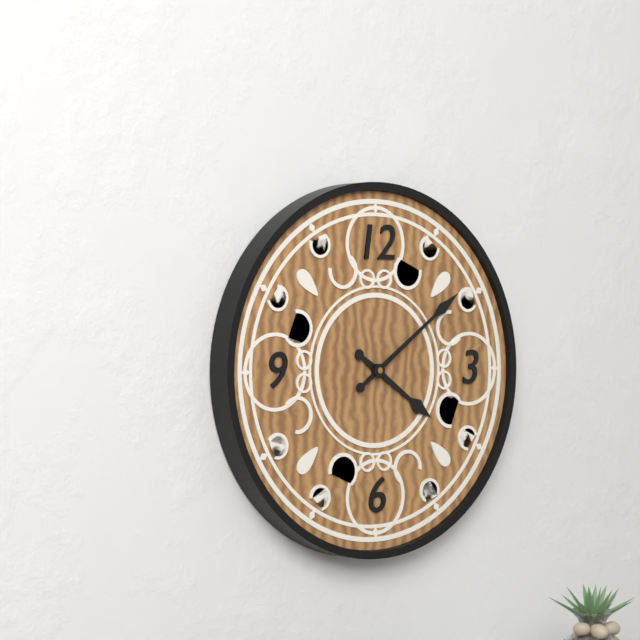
4:09
